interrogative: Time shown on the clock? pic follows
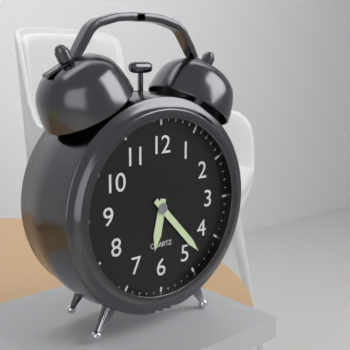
6:23
